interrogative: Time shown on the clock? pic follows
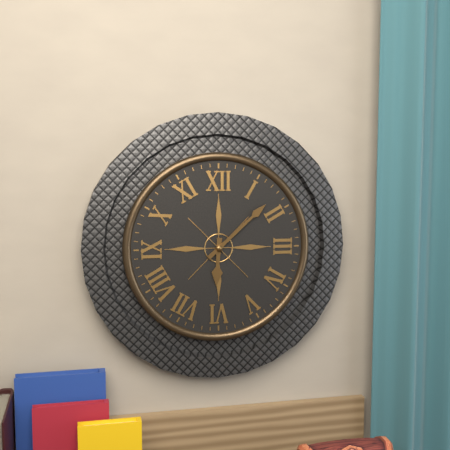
6:08
